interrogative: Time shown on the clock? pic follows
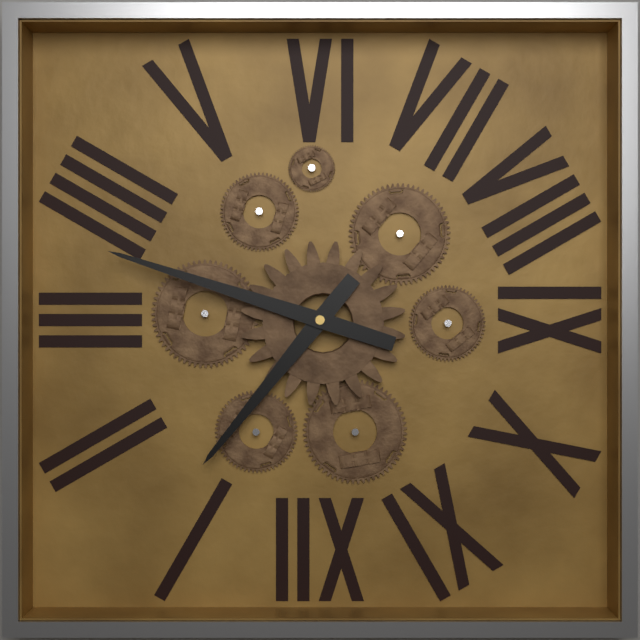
1:18
